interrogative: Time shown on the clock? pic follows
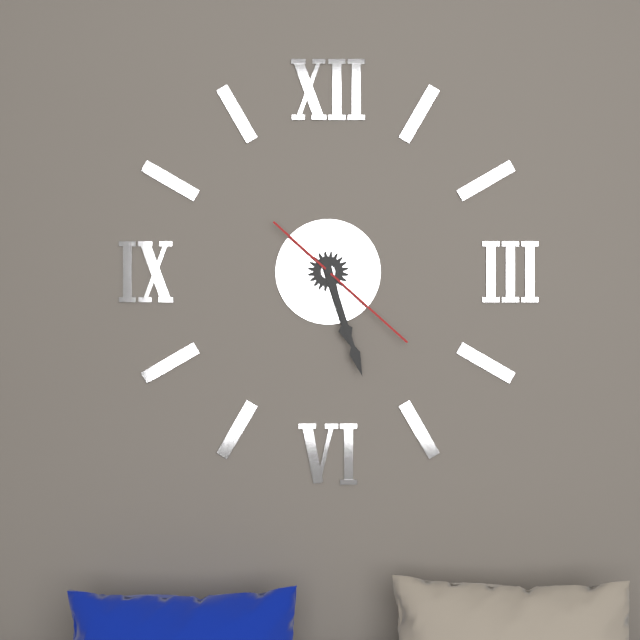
5:27:22
